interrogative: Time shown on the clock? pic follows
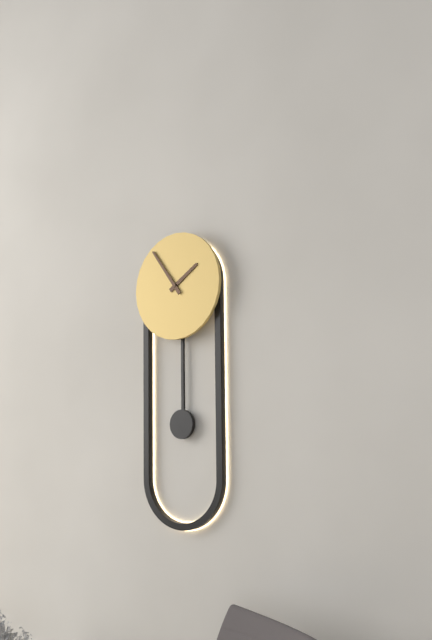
1:54
